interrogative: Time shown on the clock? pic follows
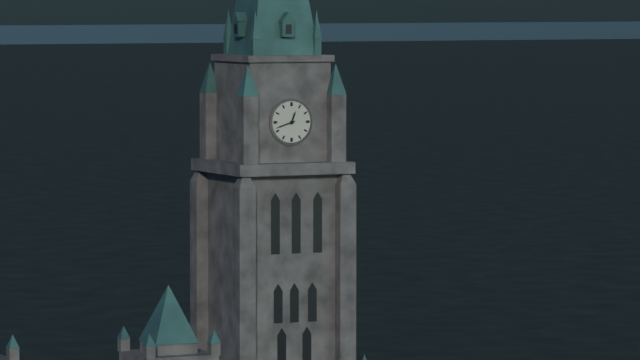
12:42
